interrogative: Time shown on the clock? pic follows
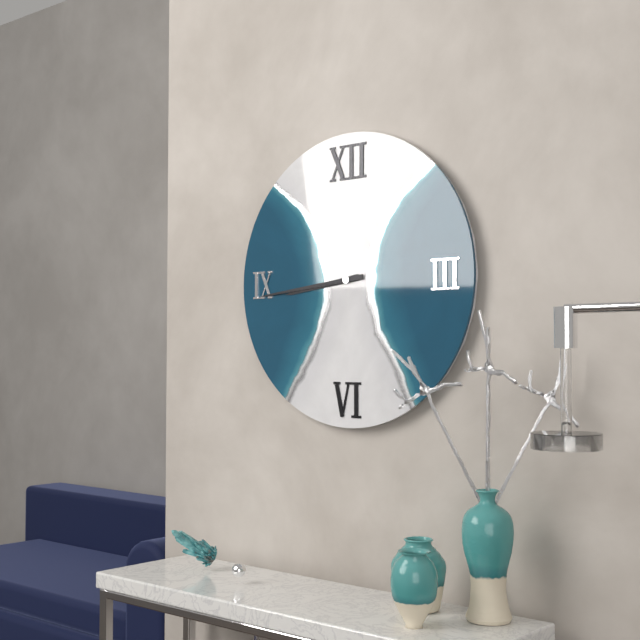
8:44
